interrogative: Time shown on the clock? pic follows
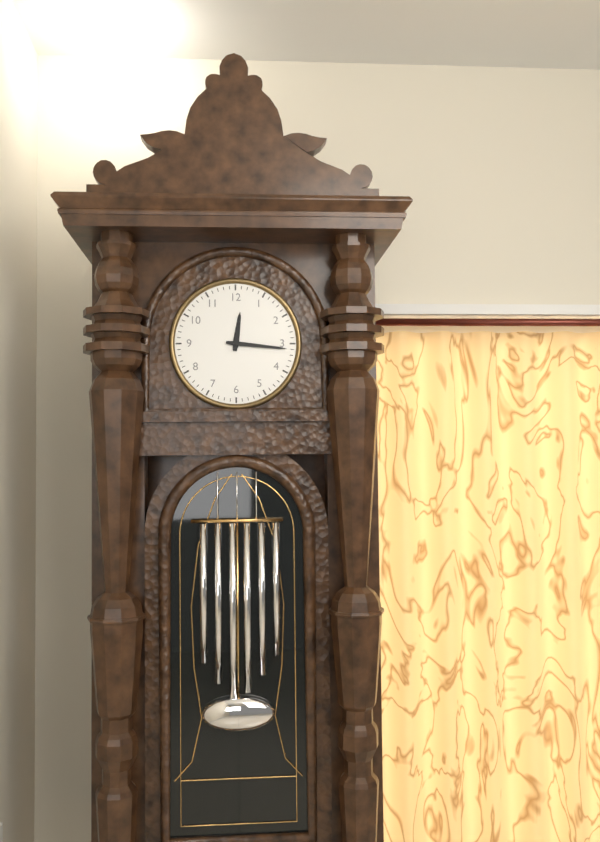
12:16
